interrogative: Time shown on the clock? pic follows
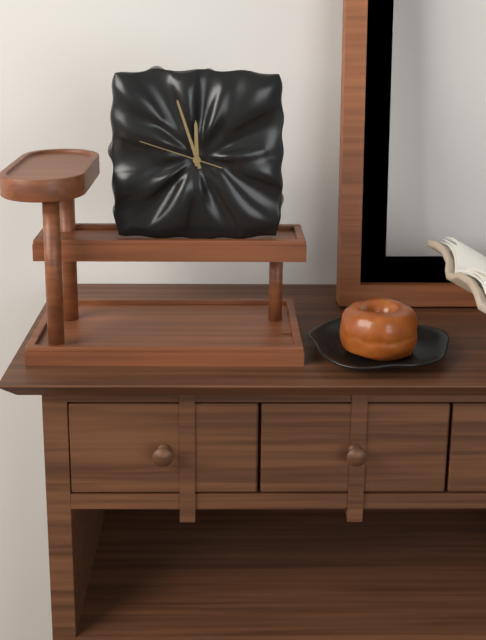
11:57:48
